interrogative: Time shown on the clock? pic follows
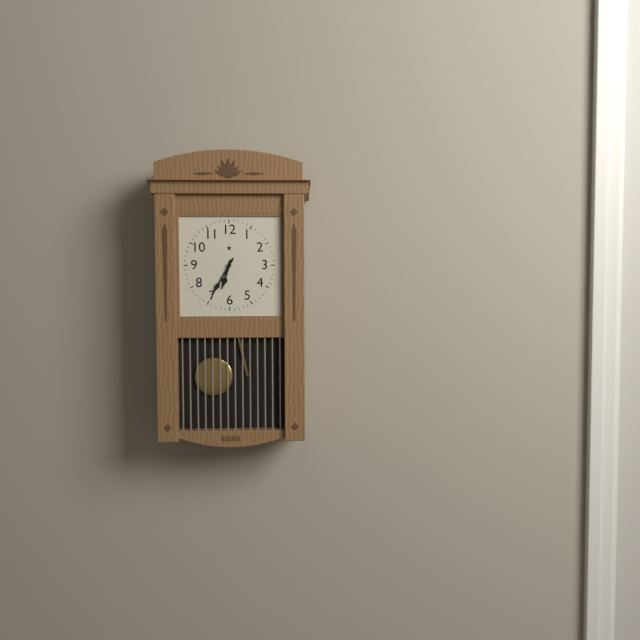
6:35
